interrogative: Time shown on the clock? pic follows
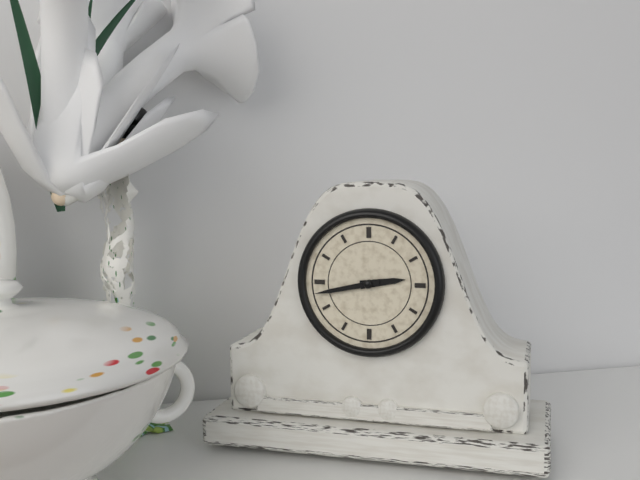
2:43
